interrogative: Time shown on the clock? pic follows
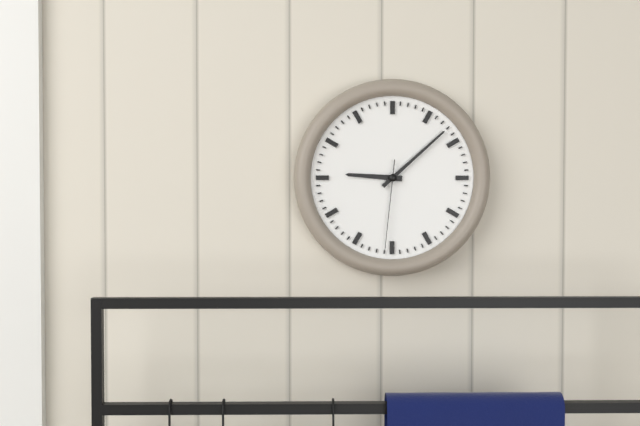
9:08:31
